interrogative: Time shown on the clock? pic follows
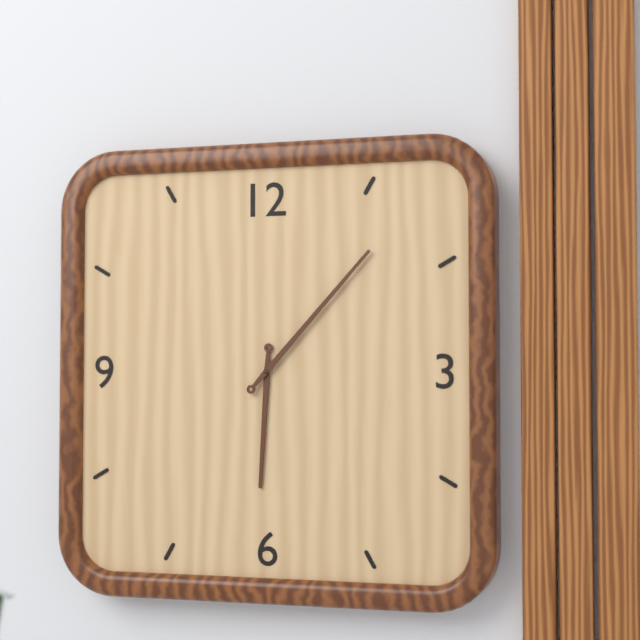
6:07
